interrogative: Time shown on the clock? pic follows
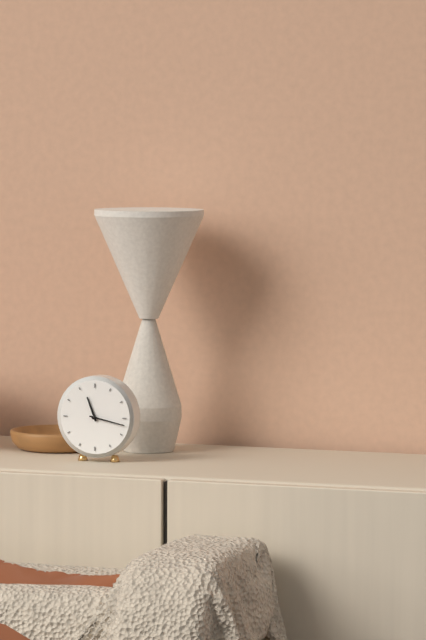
11:17
